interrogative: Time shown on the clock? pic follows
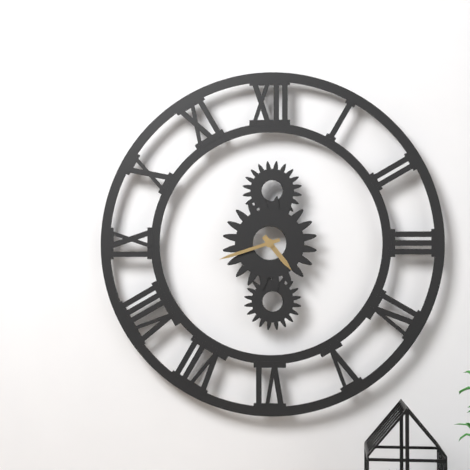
4:42
